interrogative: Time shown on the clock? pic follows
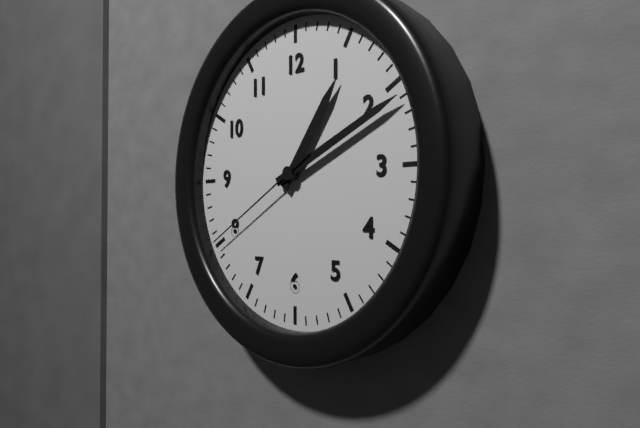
1:11:40
